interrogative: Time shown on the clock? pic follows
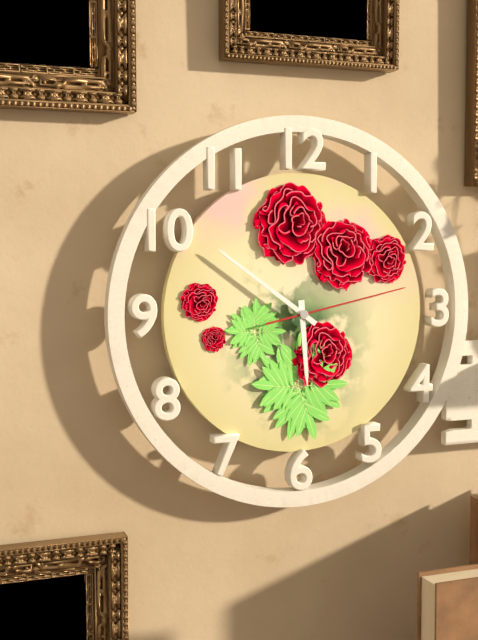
5:51:13
